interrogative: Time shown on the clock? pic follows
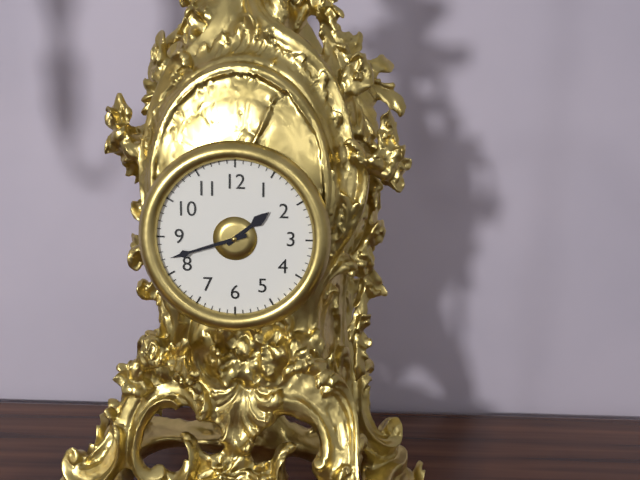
1:42
